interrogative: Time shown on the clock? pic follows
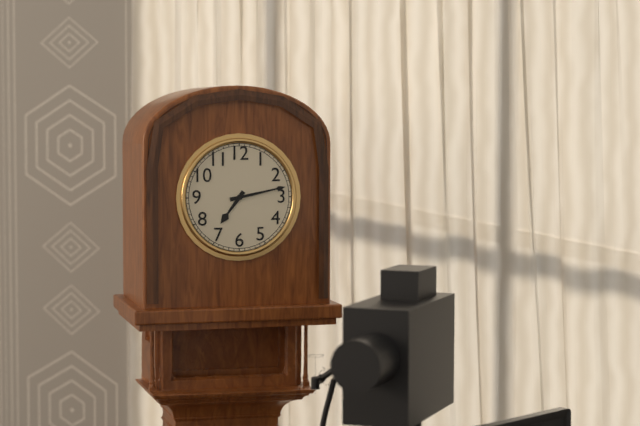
7:13
